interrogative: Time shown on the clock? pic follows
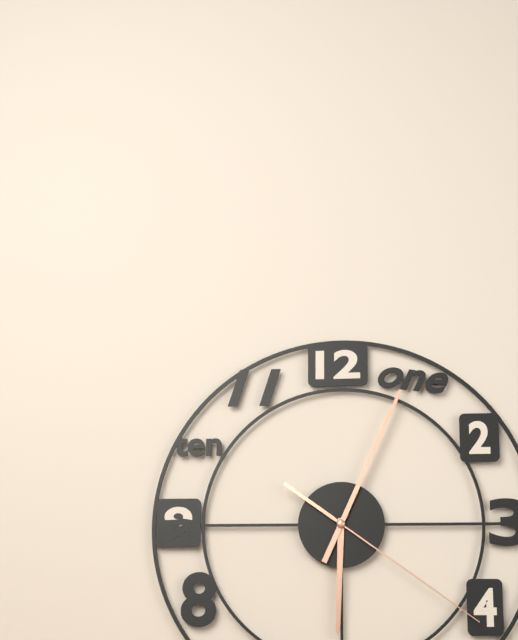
6:04:21
